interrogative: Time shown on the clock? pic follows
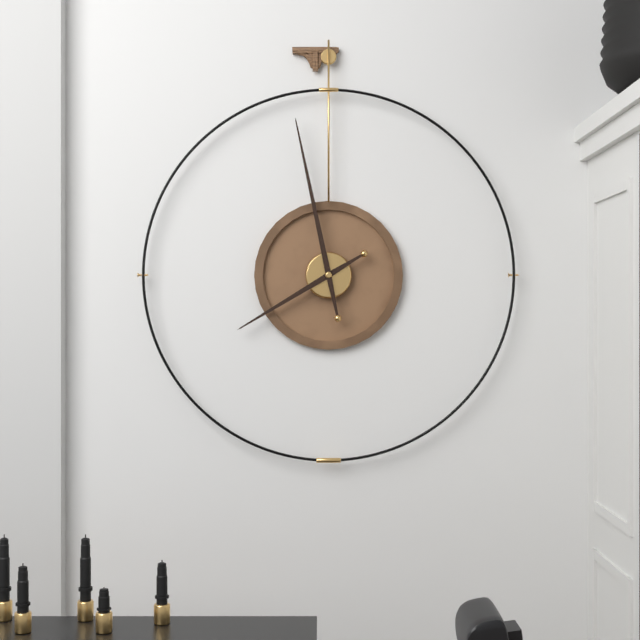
7:58
